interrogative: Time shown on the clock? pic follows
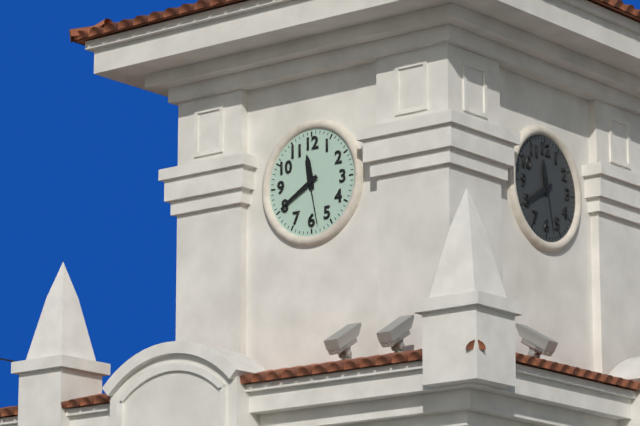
11:40:28
